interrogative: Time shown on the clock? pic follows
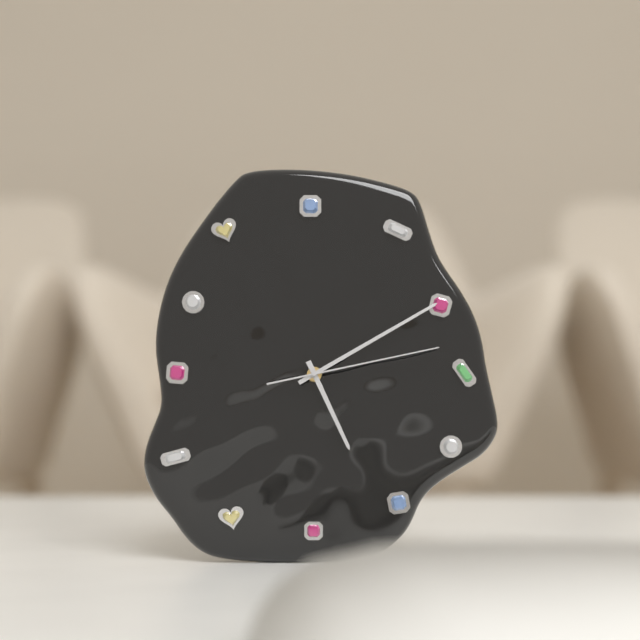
5:10:13
